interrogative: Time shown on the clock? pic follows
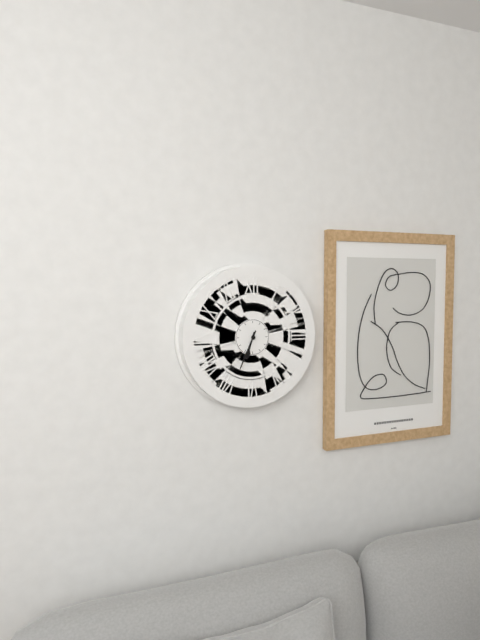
6:34
